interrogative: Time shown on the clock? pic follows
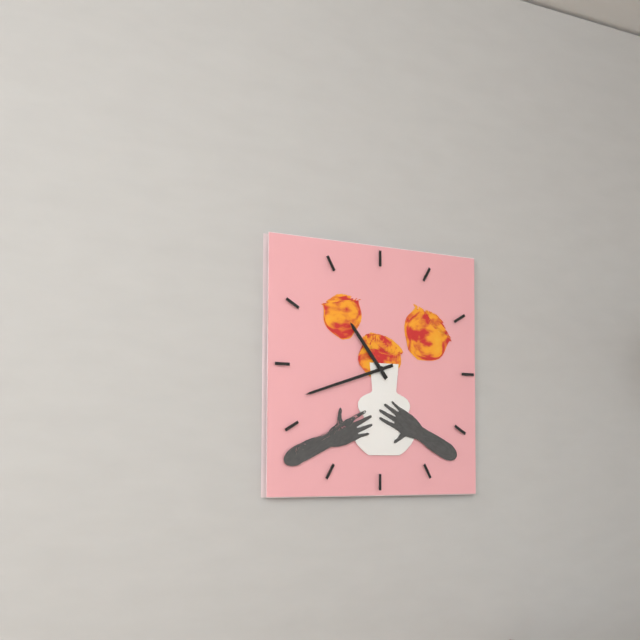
10:42
